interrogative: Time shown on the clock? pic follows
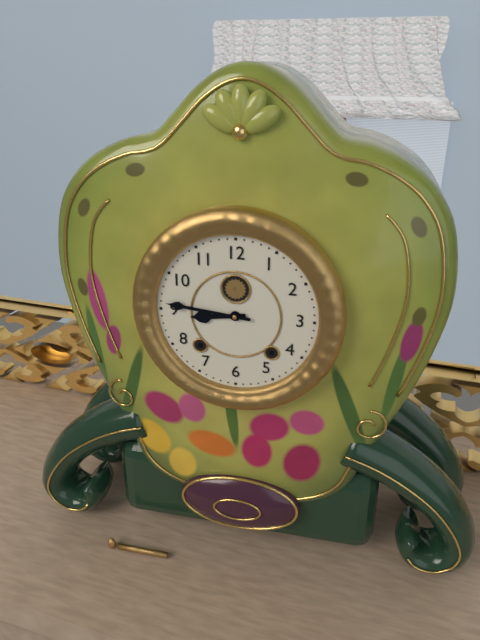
8:46
